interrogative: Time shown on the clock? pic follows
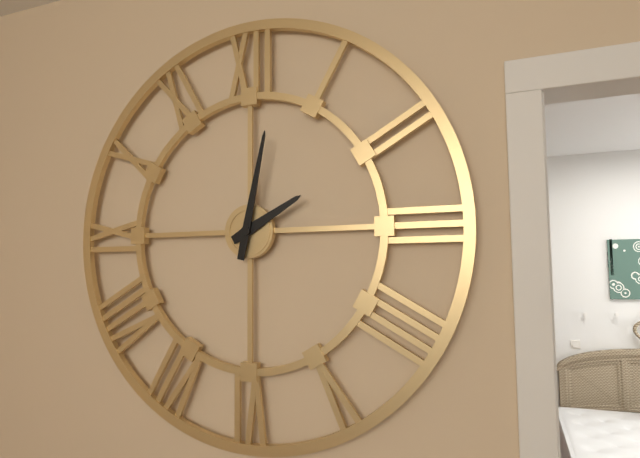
2:02
